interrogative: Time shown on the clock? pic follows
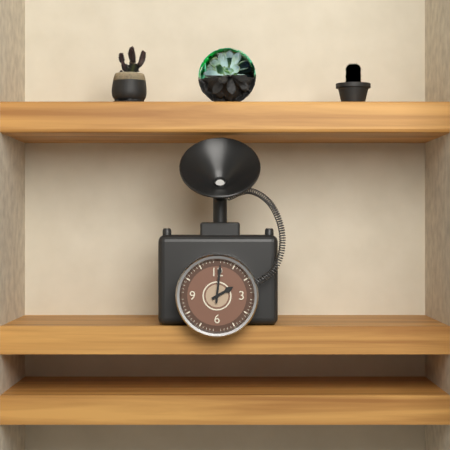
2:01
